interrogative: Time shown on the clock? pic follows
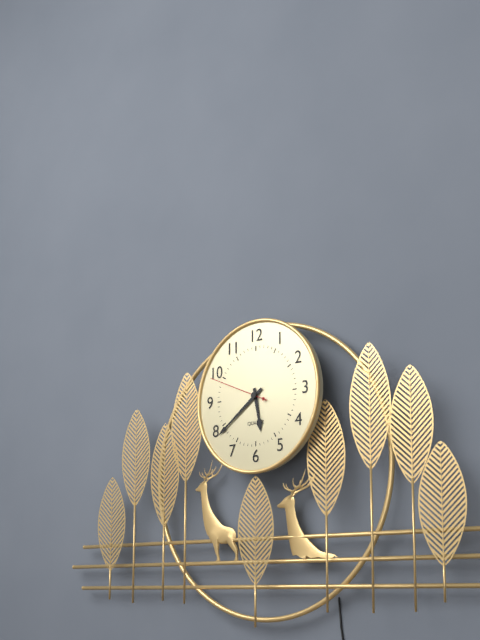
5:39:49
